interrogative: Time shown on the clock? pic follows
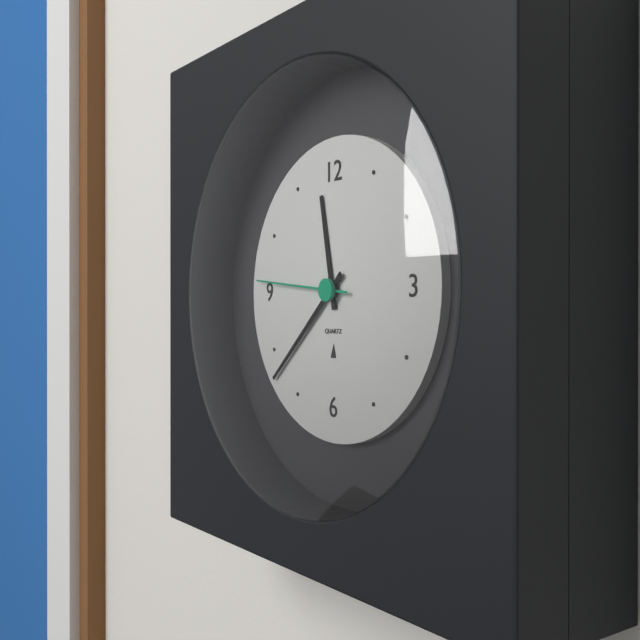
11:38:46
